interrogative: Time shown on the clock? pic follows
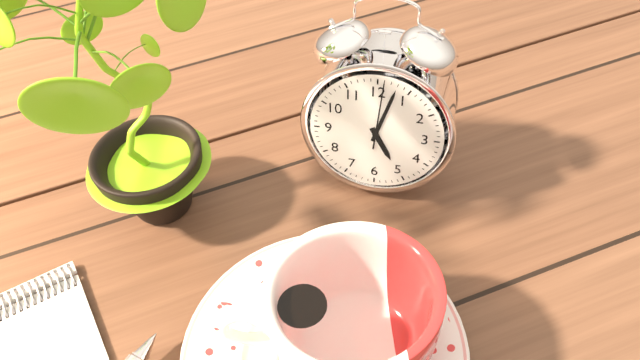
5:03:01
